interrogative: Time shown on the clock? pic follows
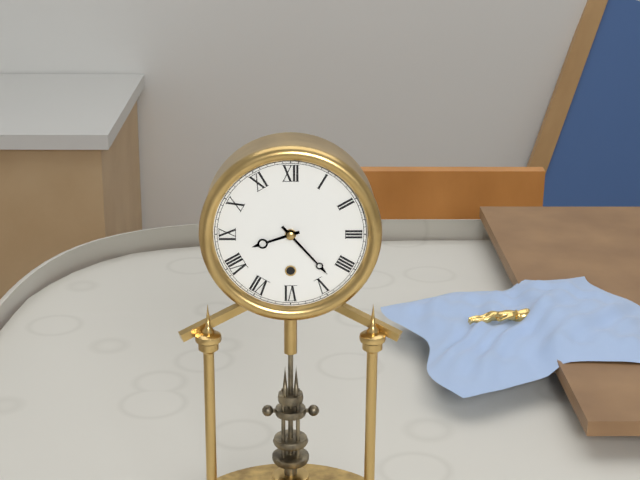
8:23
